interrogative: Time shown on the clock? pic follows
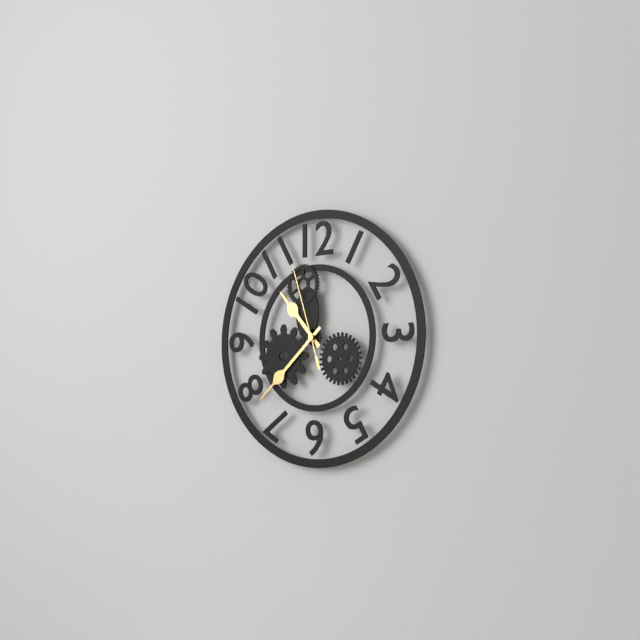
10:38:57
